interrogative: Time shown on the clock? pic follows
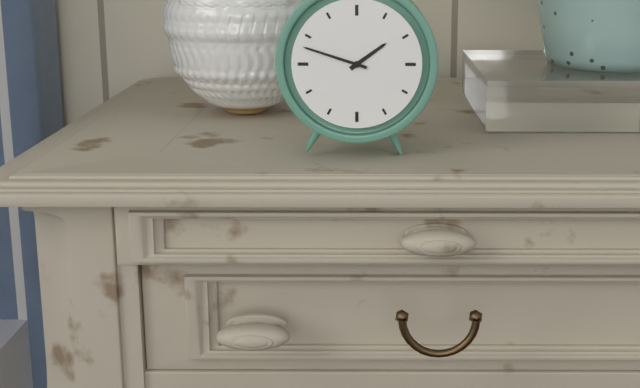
1:48
